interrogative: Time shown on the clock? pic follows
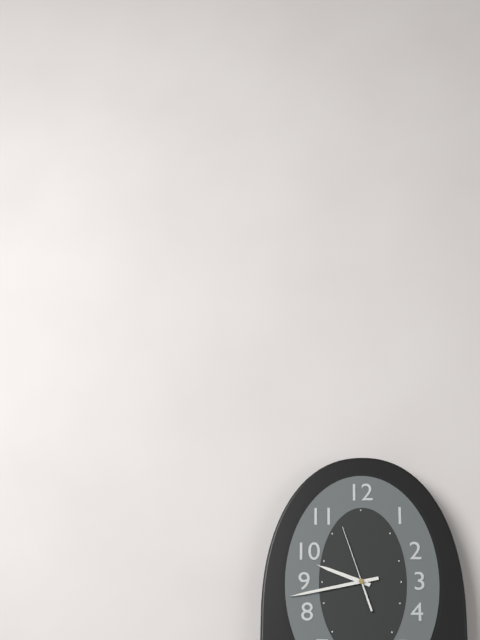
9:43:57
